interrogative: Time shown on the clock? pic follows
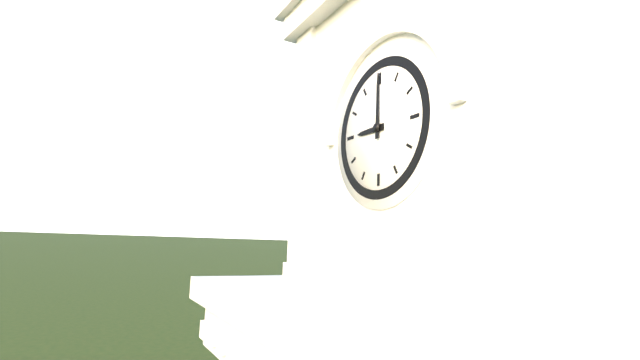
9:00
